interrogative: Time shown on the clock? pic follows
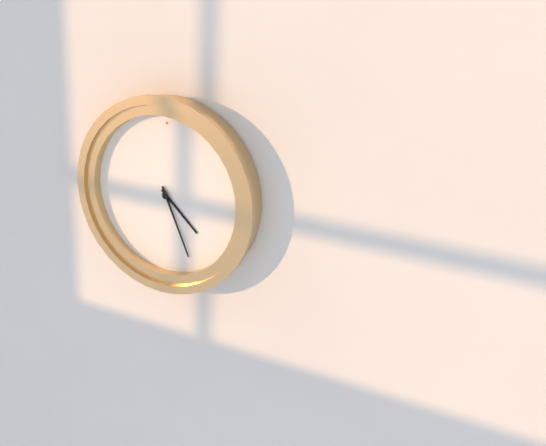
4:26
